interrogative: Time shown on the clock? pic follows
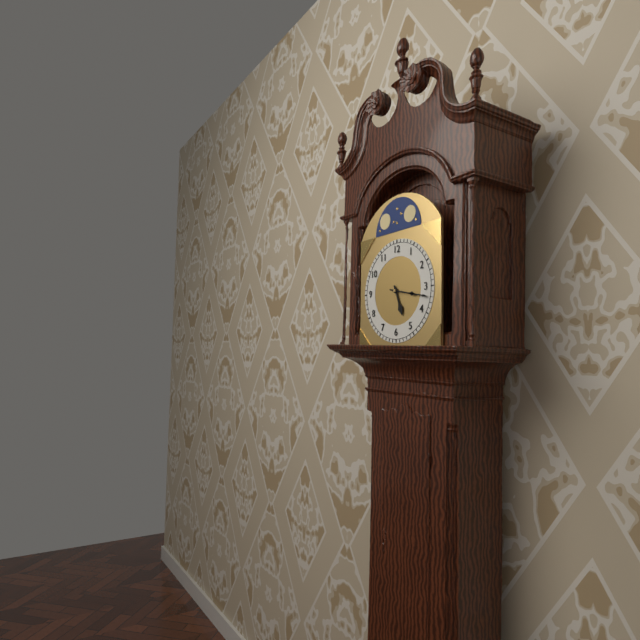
5:17
